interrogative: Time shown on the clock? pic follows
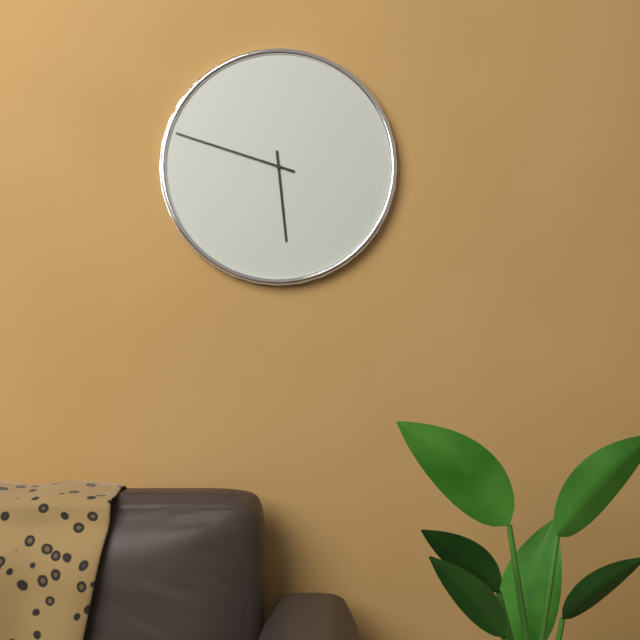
5:48
